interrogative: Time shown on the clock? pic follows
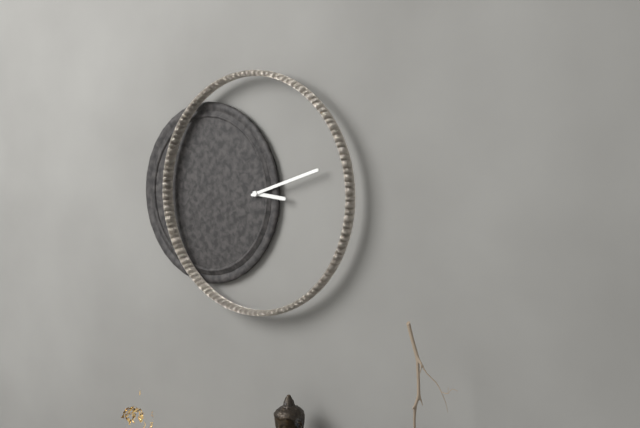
3:12
